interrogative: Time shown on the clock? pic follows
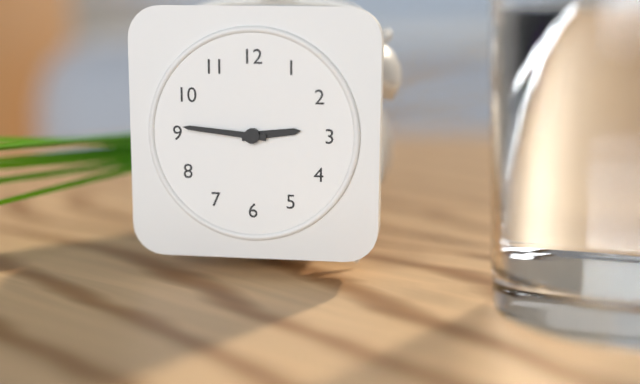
2:46
